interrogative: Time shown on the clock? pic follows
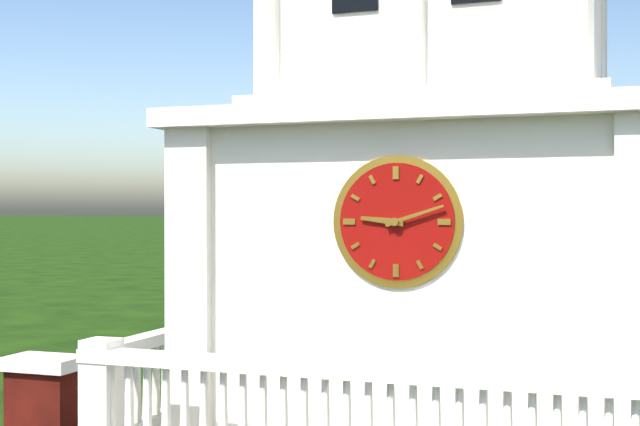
9:12
